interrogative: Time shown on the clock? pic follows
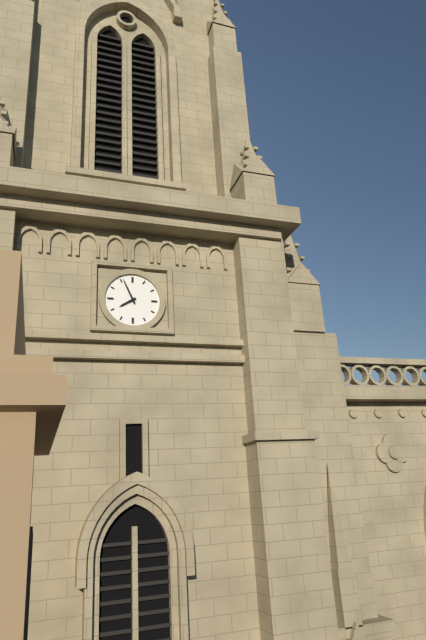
7:56
